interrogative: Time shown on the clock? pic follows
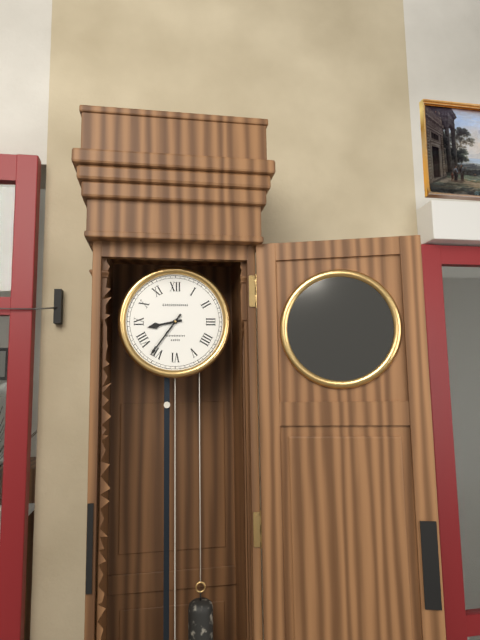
8:36
